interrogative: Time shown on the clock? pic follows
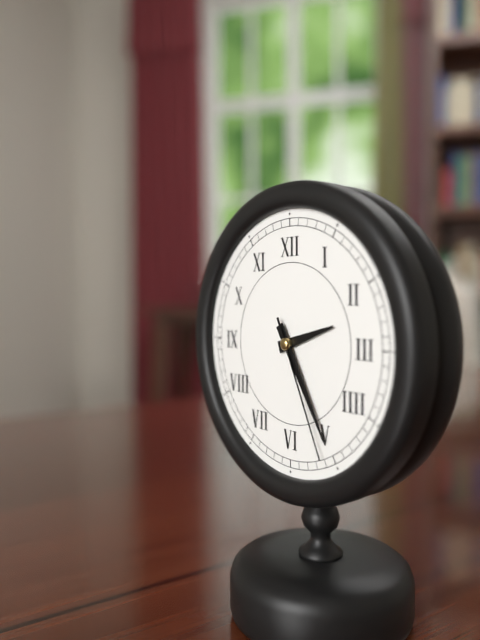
2:25:26
